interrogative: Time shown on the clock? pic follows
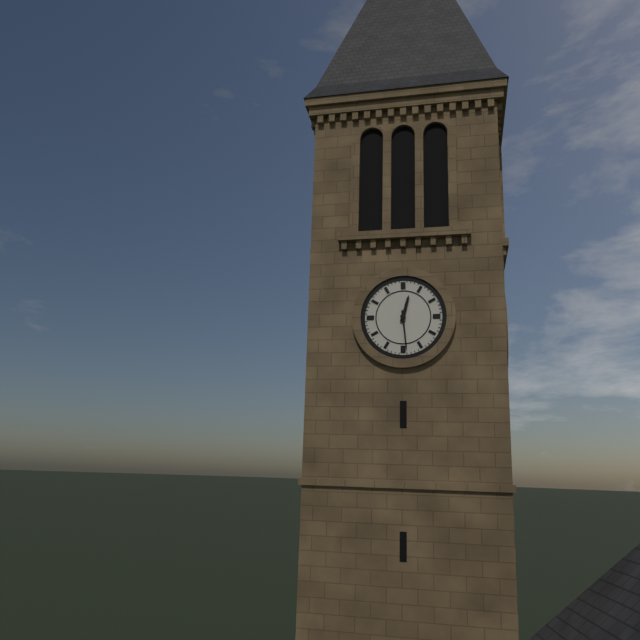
12:29
